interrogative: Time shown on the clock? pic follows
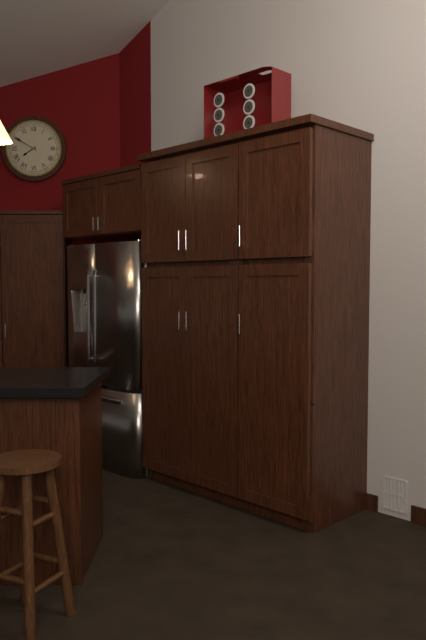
7:50
